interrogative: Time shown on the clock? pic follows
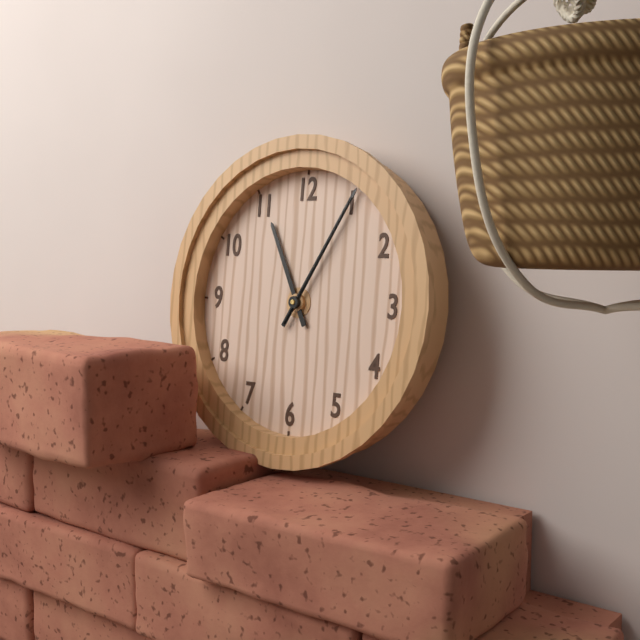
11:05:05
